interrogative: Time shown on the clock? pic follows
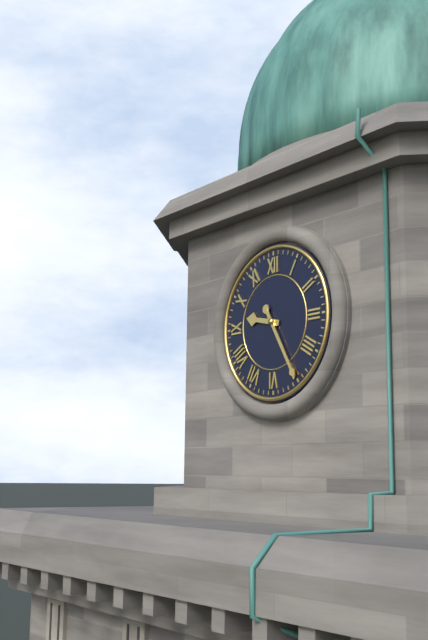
9:25
